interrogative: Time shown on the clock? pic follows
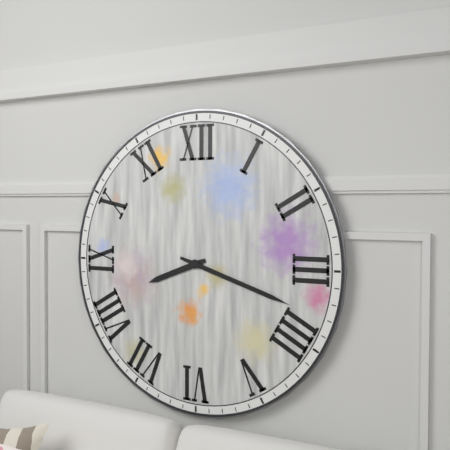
8:18
